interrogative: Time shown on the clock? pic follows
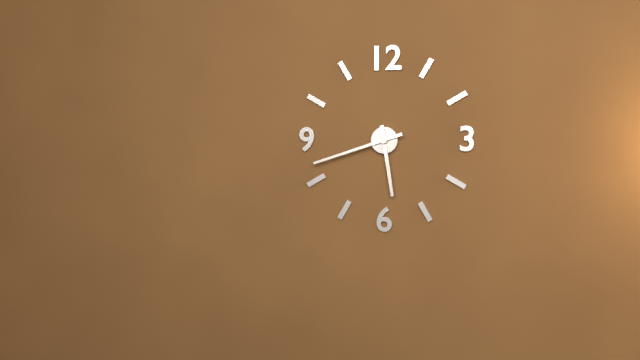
5:42
